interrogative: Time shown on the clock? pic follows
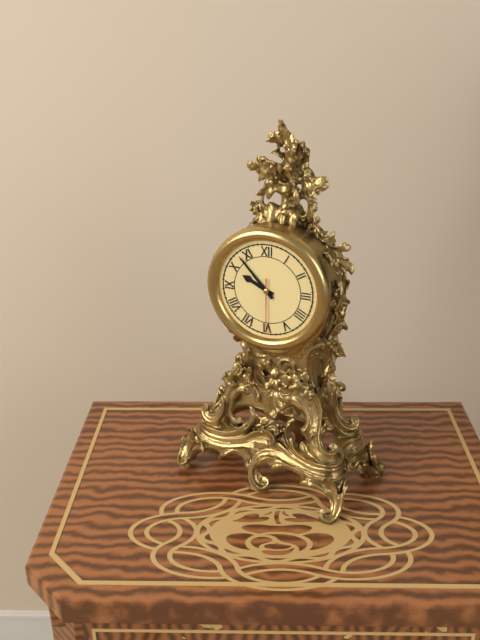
9:53:30
